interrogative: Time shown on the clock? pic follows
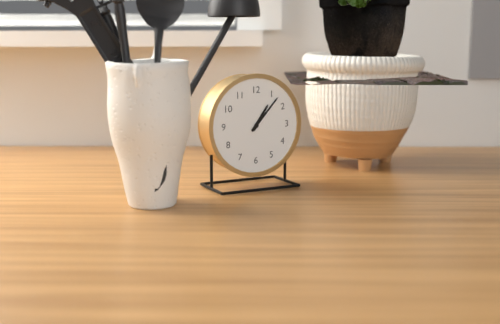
1:07
